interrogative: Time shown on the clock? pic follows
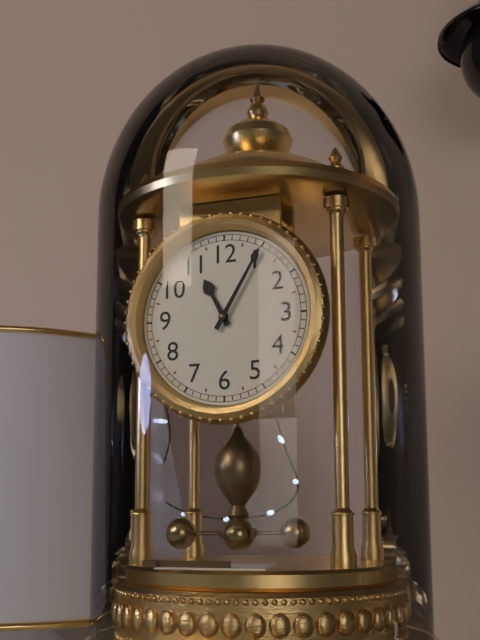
11:05
